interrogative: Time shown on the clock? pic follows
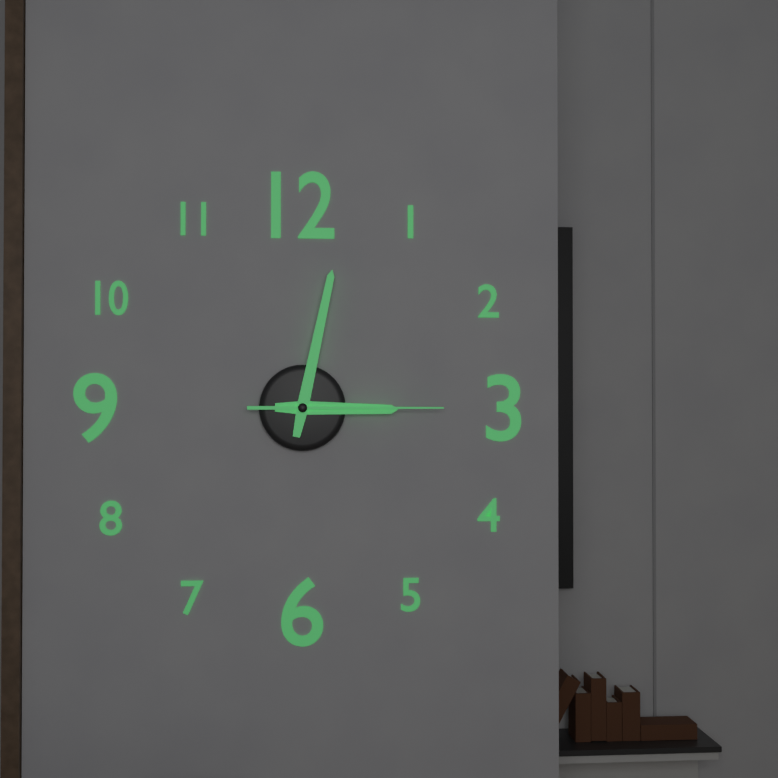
3:02:15
